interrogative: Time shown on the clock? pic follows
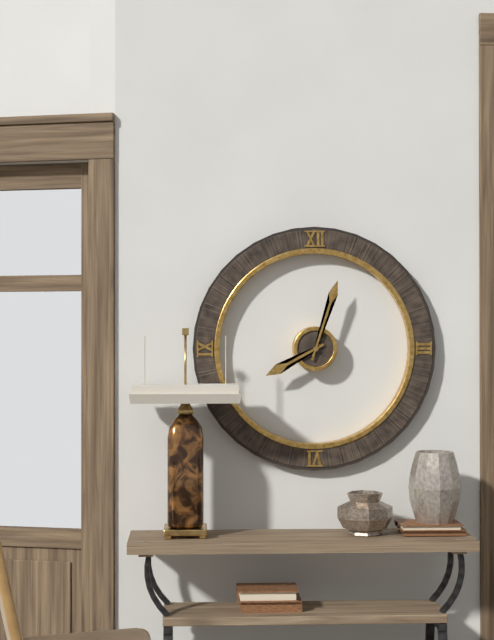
8:03
